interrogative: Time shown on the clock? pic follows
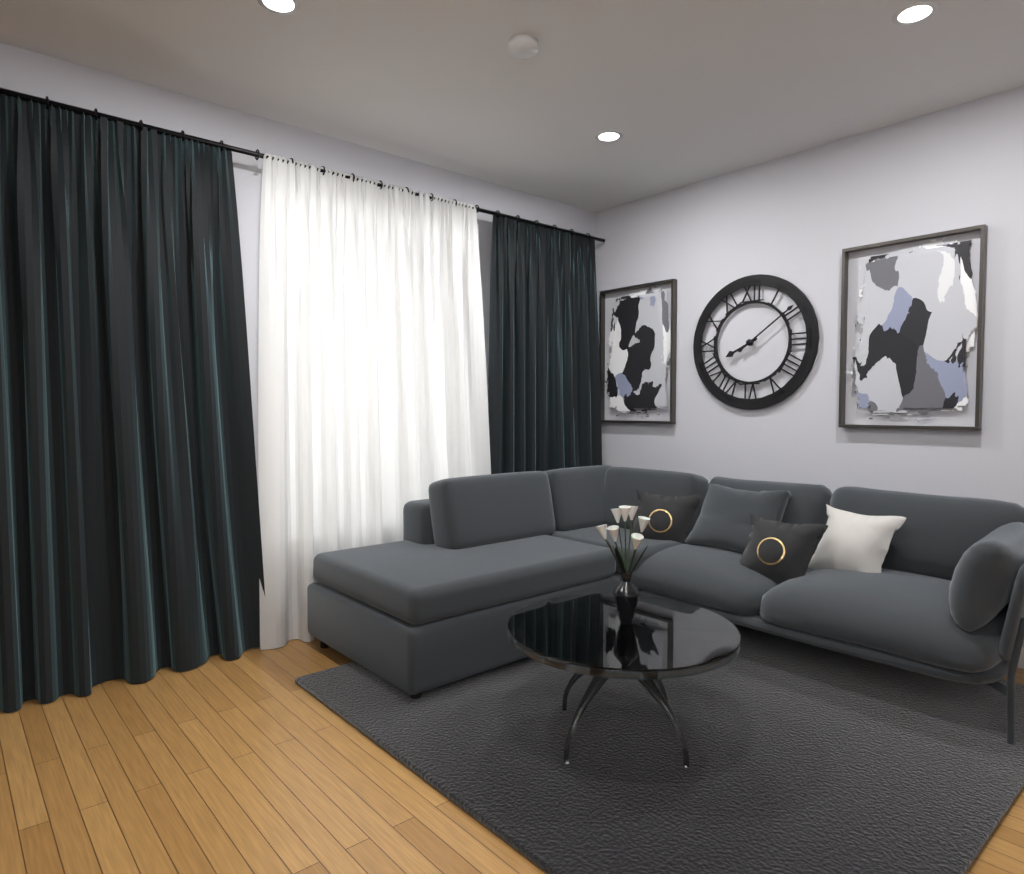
8:09
